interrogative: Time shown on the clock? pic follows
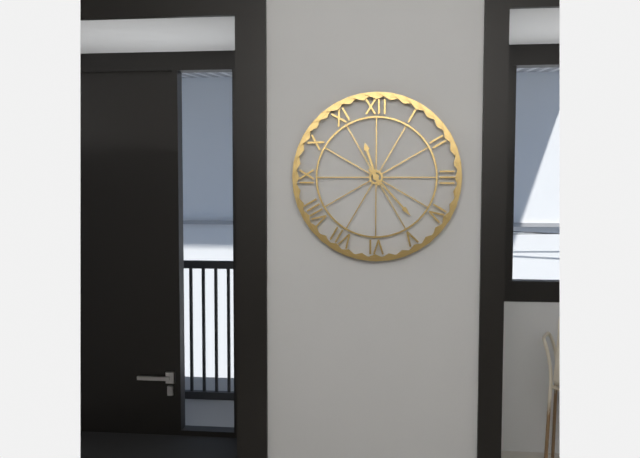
11:23
